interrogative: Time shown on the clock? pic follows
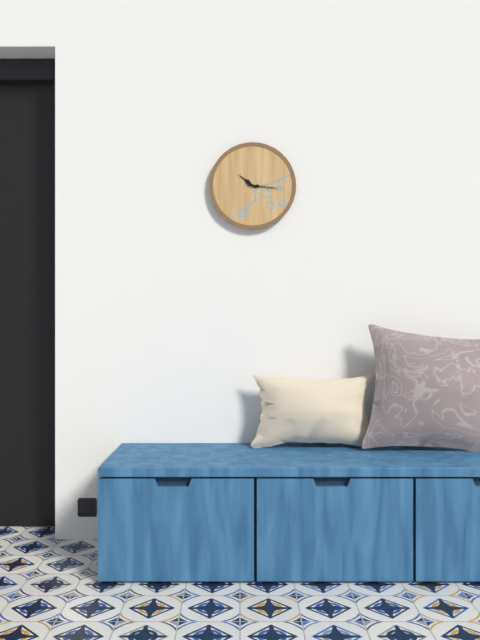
10:16
